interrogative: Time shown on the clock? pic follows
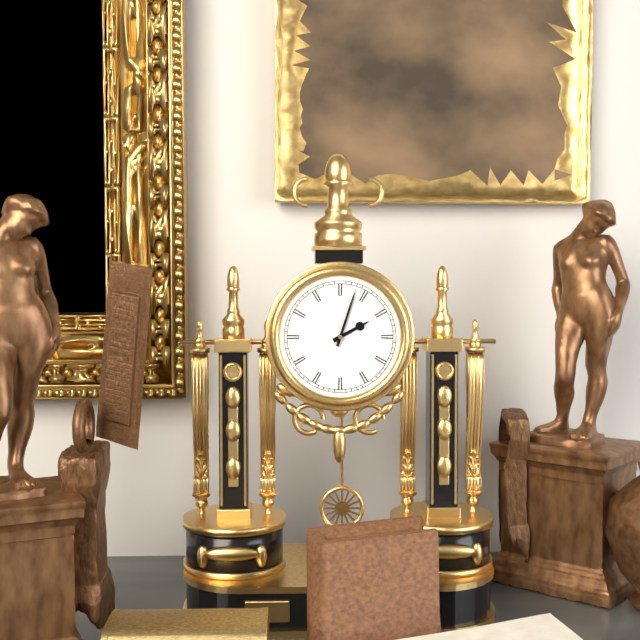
2:03
